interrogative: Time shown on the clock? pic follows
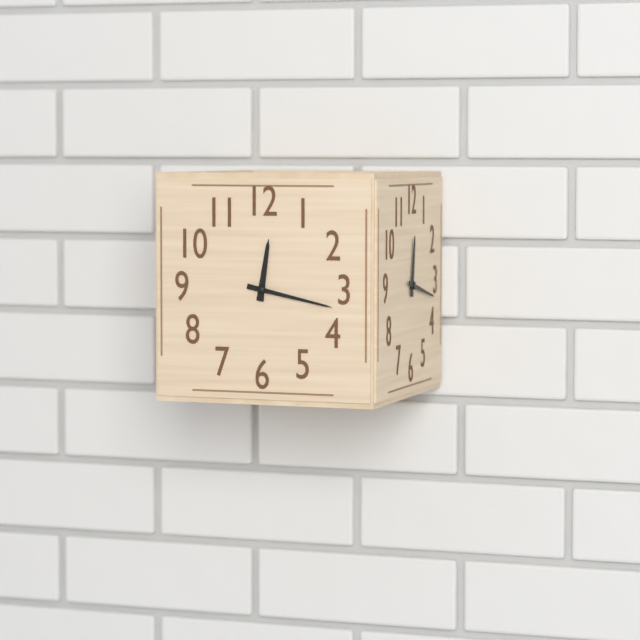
12:17
